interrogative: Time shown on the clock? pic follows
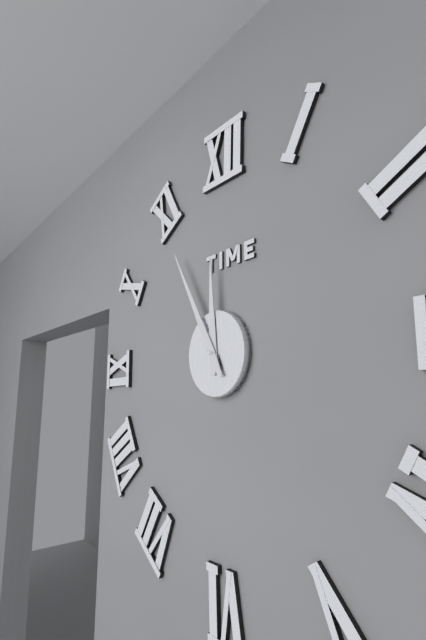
11:55
